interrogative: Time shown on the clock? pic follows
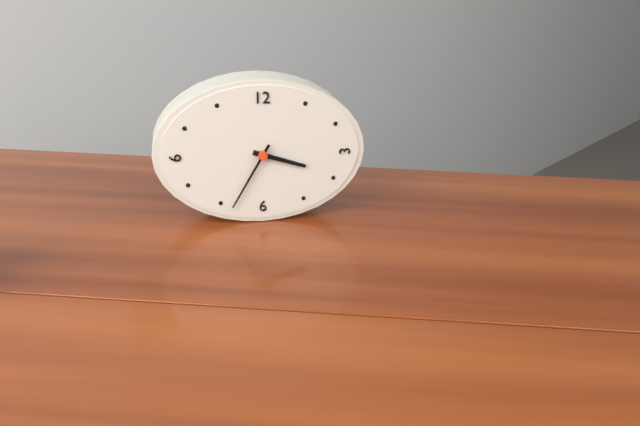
3:35
